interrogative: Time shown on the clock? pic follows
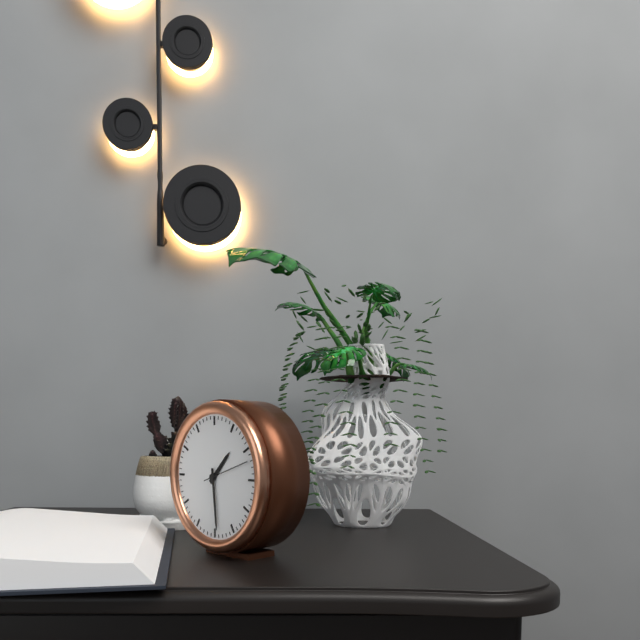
1:29
